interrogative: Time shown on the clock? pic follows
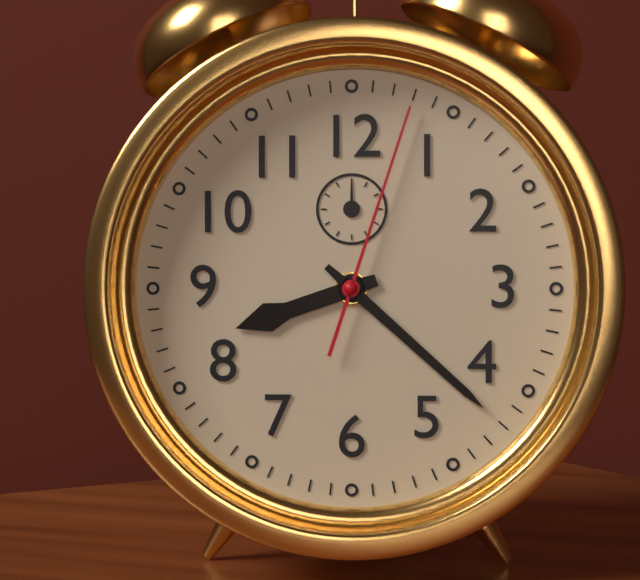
8:22:03
